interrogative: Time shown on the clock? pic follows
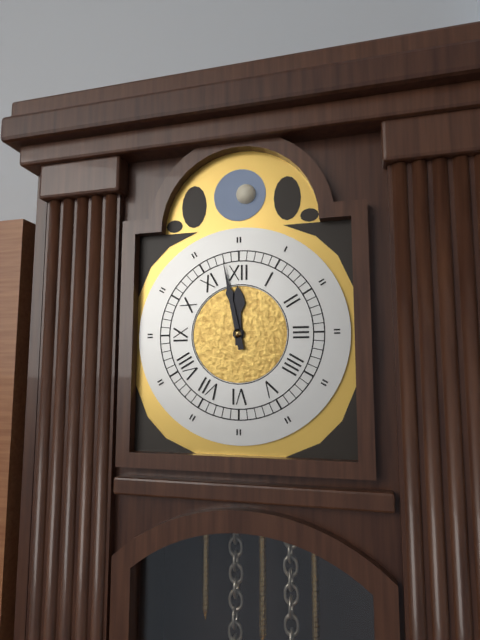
11:58
